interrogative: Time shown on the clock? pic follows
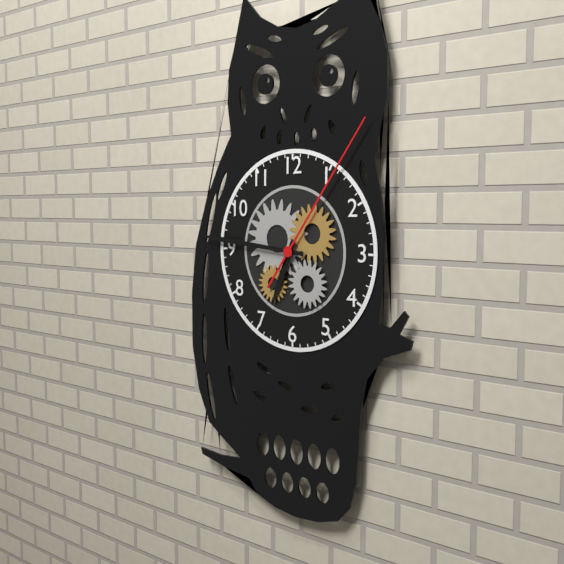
6:46:06
